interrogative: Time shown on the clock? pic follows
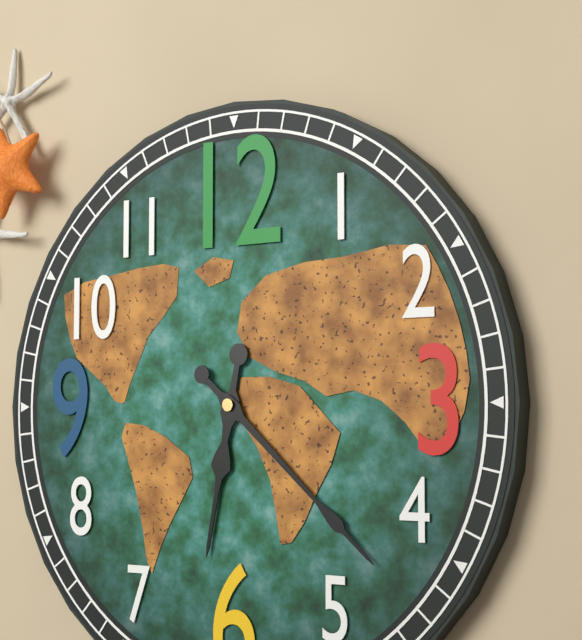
6:22
